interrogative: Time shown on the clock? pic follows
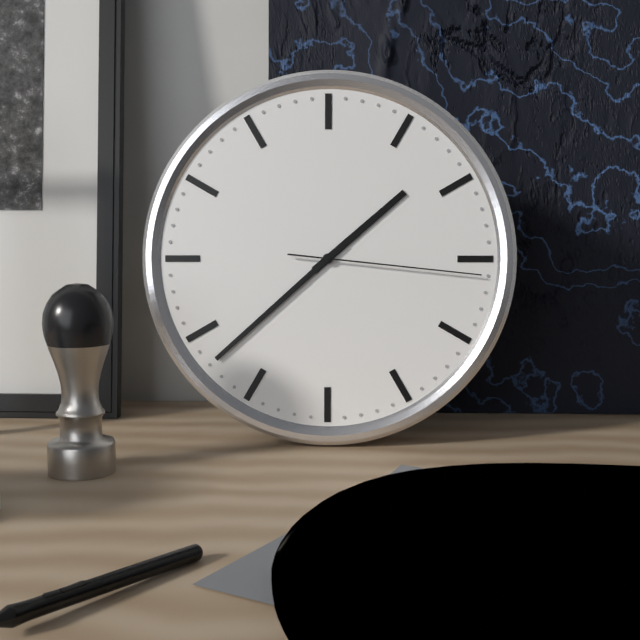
1:38:16
